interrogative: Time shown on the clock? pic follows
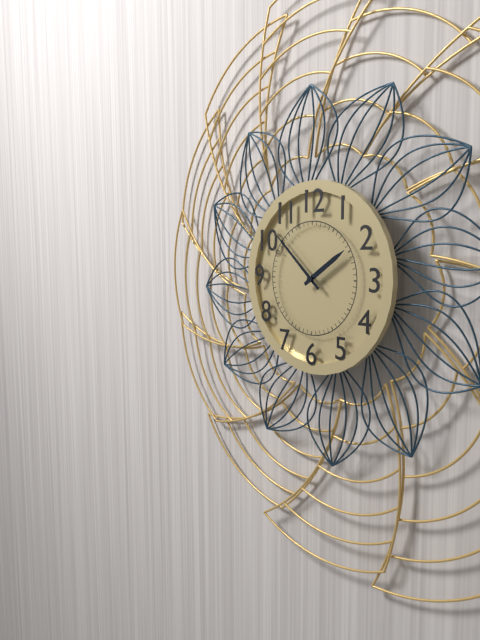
1:52
